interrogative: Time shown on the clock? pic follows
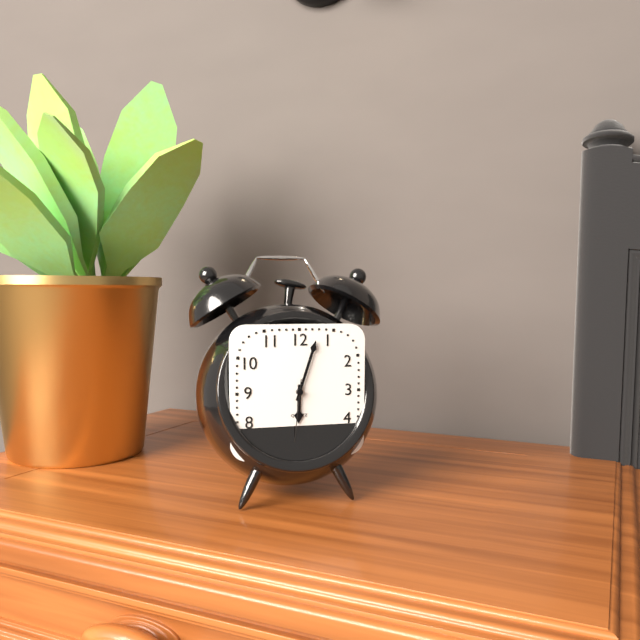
6:03:31
